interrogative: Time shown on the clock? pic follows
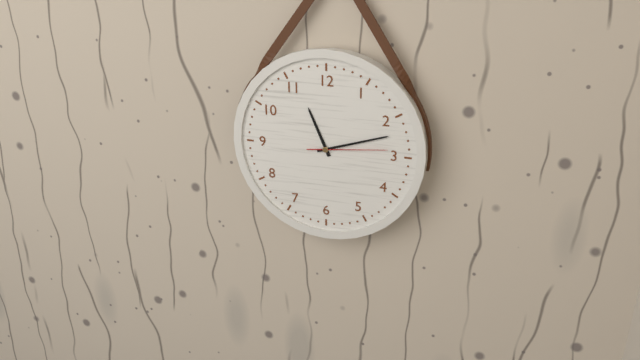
11:12:14
